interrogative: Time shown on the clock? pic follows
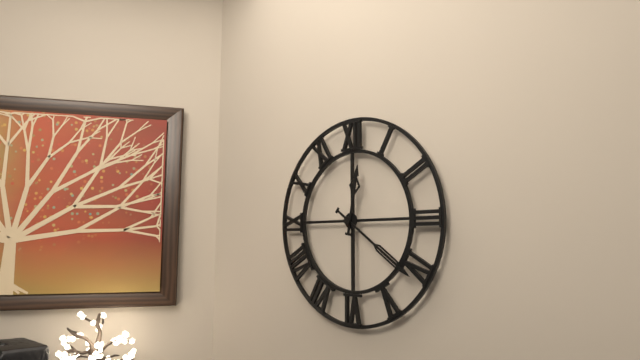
12:21
